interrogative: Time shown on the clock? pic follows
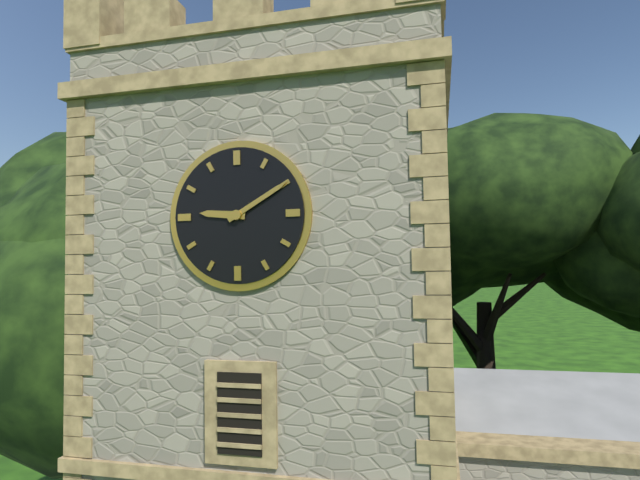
9:10
